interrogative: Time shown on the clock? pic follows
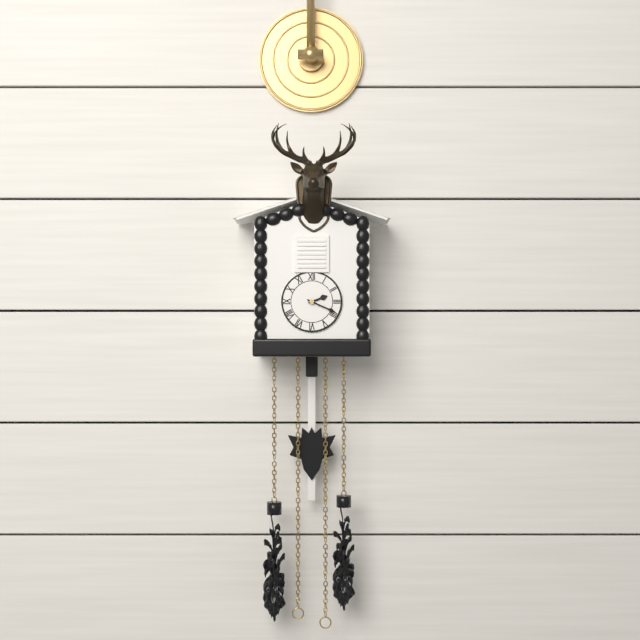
2:19
